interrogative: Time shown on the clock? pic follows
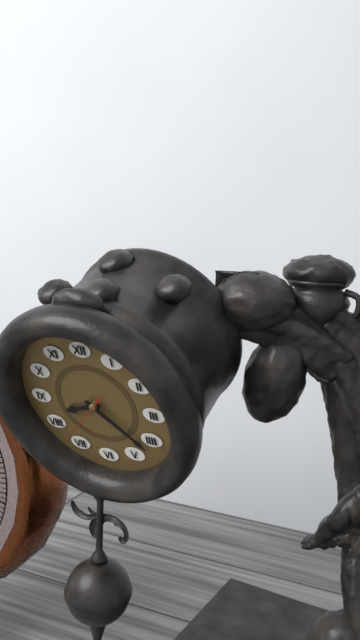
8:22:37
